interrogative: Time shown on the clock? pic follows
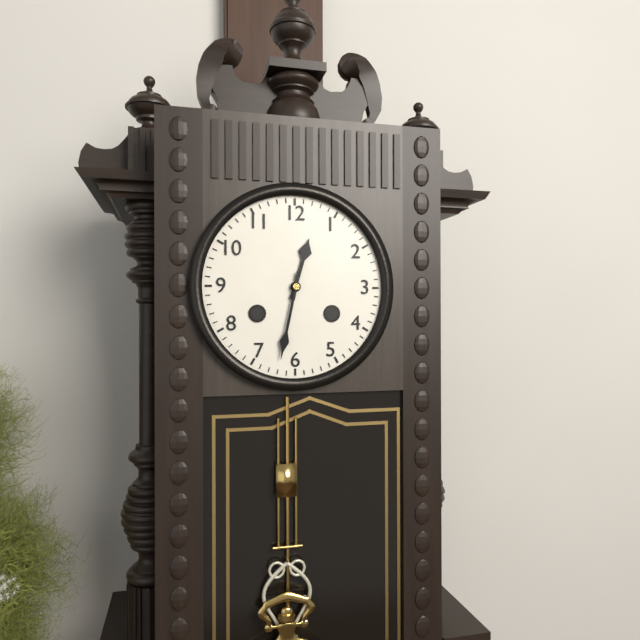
12:32
